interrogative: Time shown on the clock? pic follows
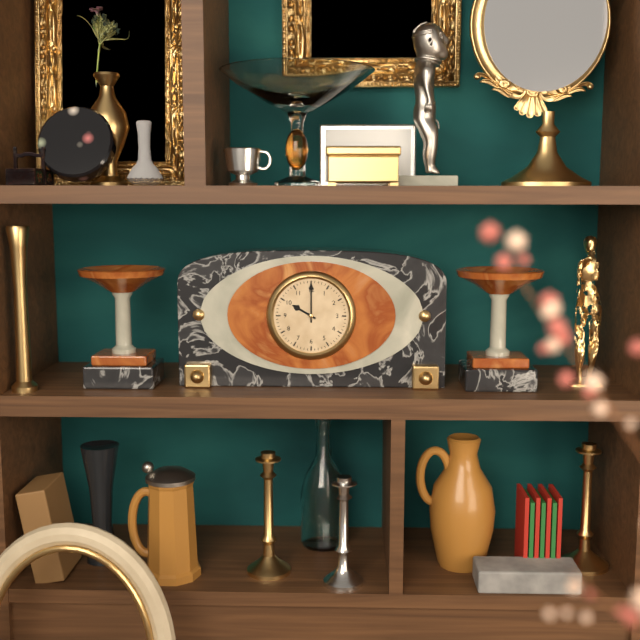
10:00
